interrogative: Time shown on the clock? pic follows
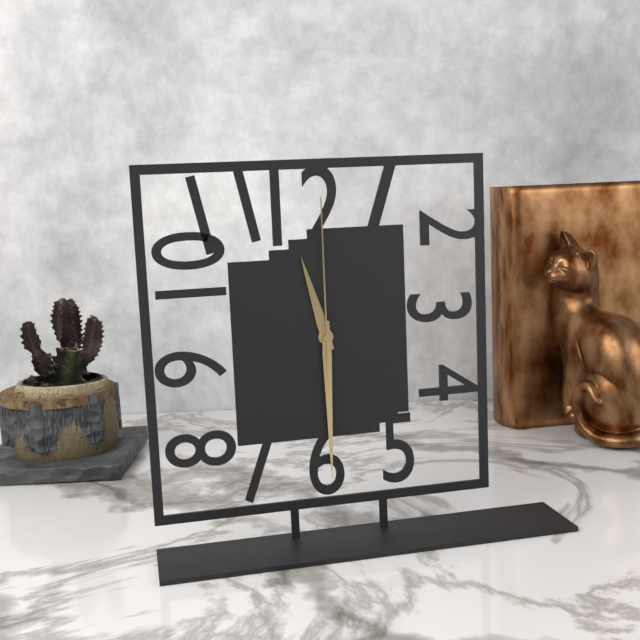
11:30:00
